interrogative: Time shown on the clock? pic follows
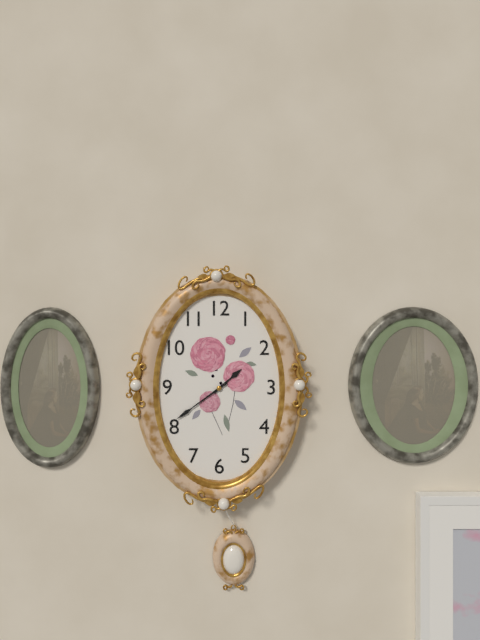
1:39
